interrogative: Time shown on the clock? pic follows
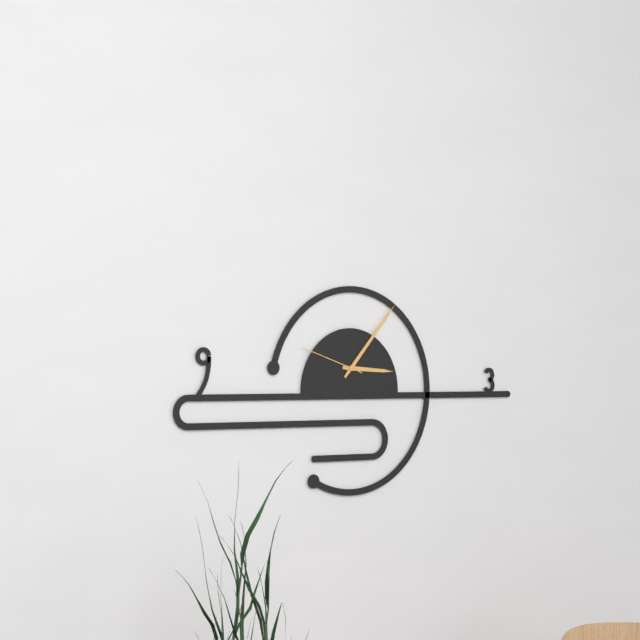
3:07:48
